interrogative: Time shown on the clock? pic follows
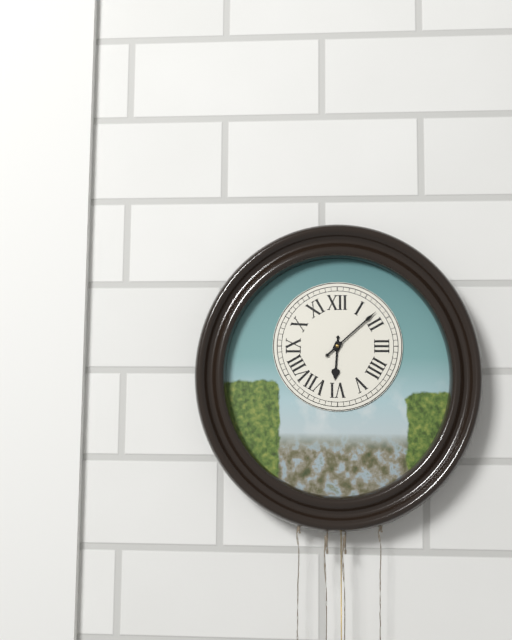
6:08
